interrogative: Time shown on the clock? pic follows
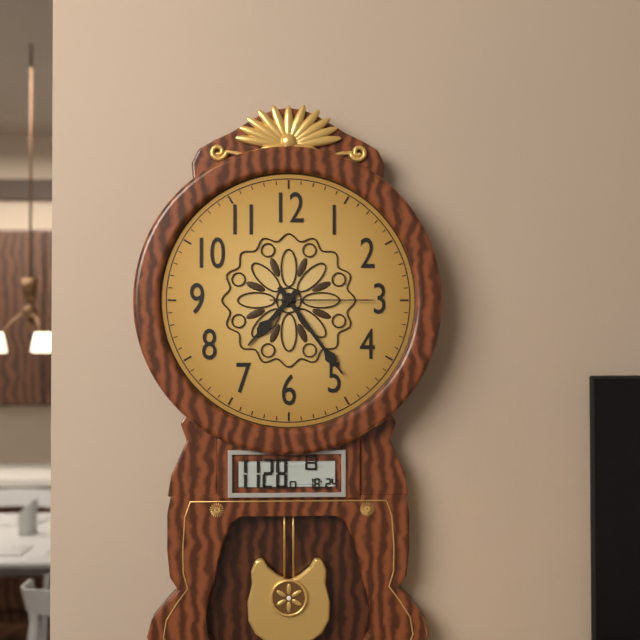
7:24:15
